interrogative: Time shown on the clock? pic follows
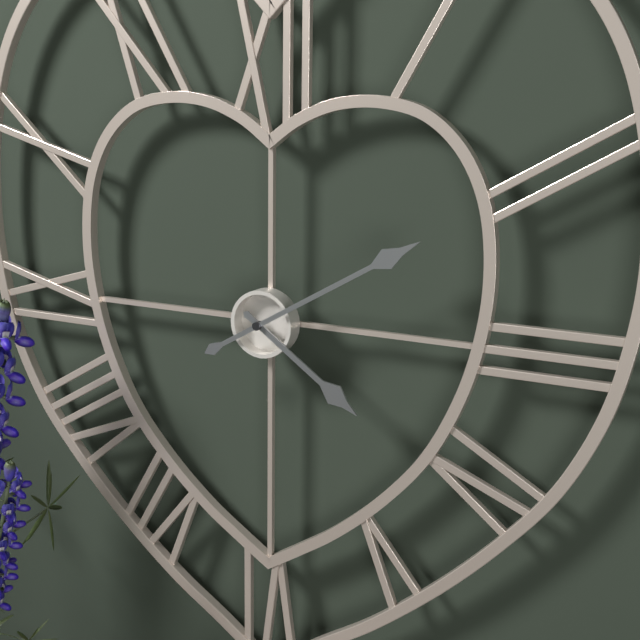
4:10
